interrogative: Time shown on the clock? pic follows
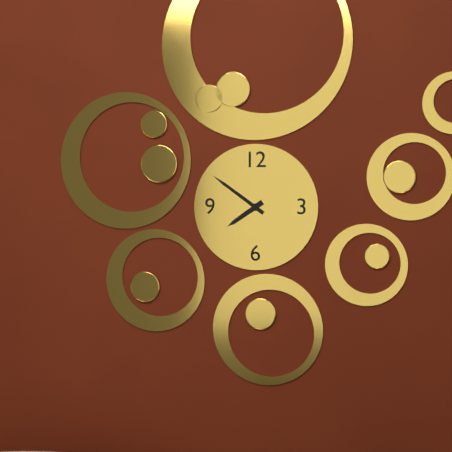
7:51
